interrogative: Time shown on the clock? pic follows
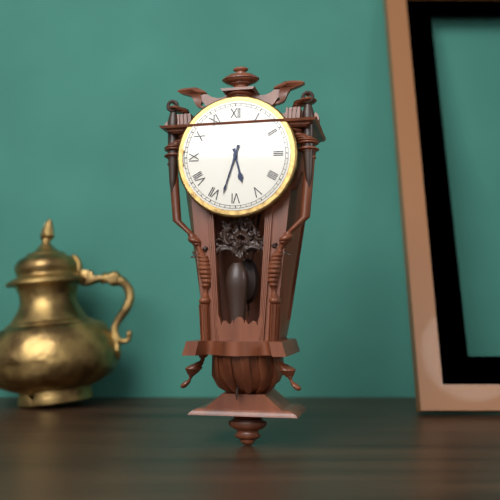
5:33
